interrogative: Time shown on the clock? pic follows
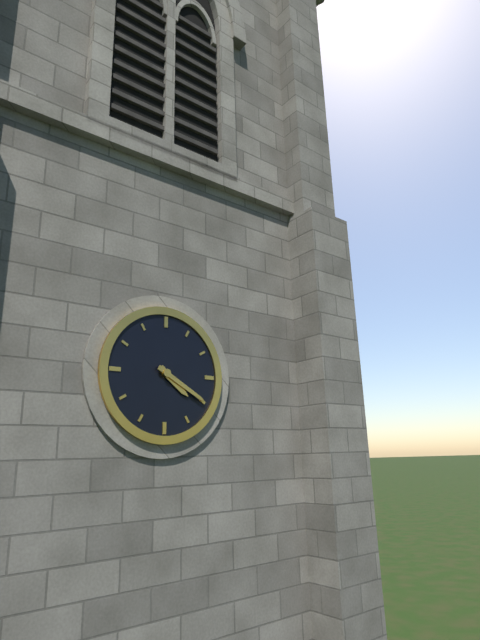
4:20
